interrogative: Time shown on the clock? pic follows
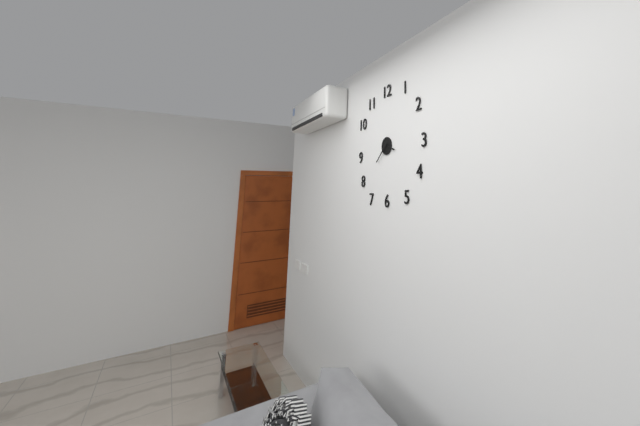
3:38
